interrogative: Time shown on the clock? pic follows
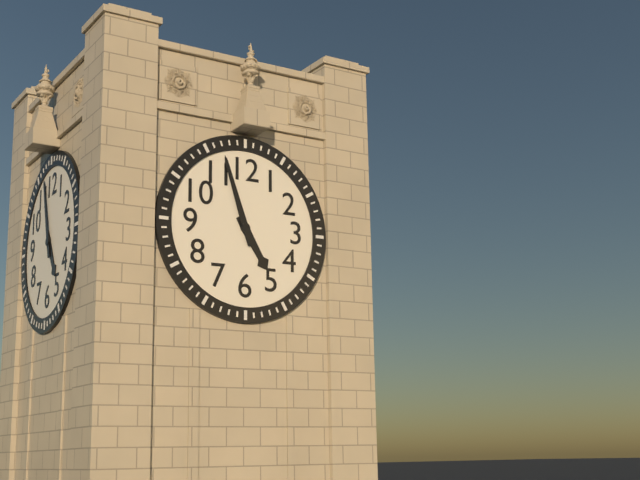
4:57
